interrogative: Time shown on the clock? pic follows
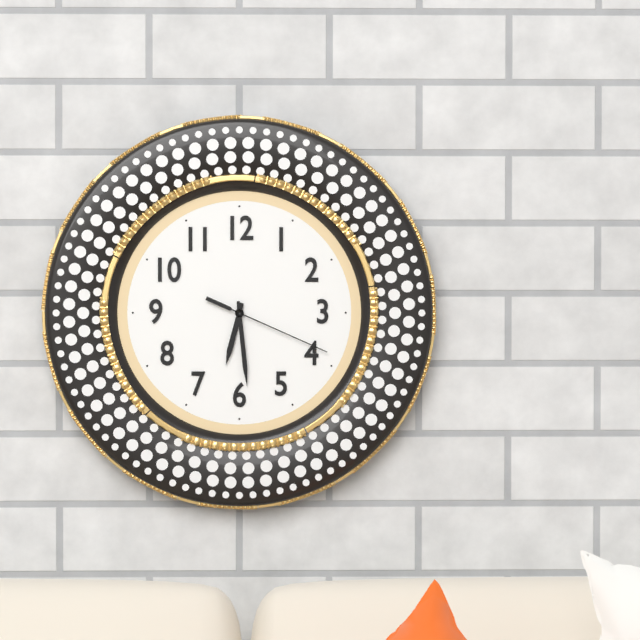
6:29:19
